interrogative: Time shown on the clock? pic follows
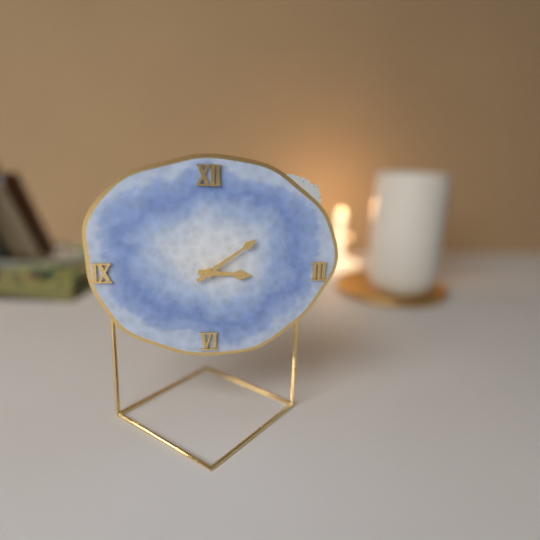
3:09
